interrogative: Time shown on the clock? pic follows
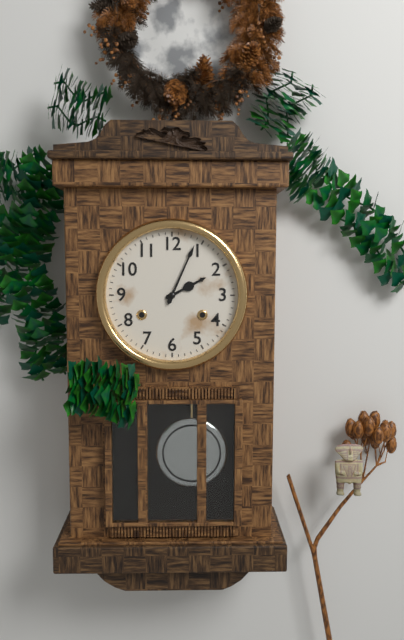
2:04
